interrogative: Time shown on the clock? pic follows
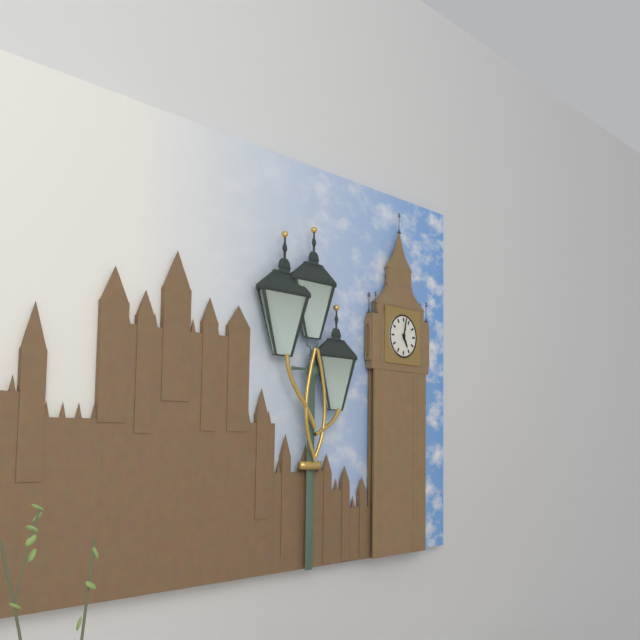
5:02
